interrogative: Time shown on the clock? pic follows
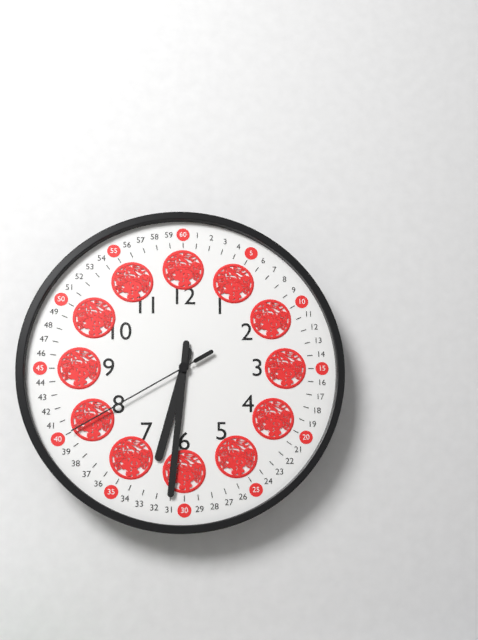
6:31:40
